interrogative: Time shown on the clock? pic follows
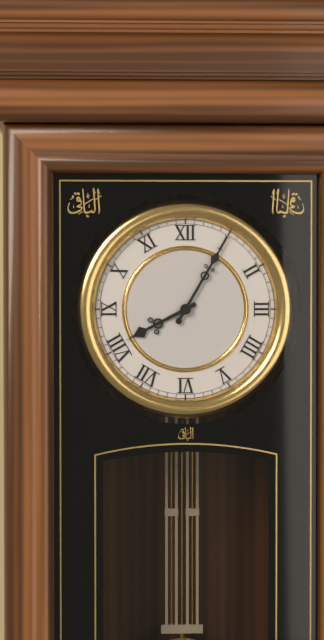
8:05
